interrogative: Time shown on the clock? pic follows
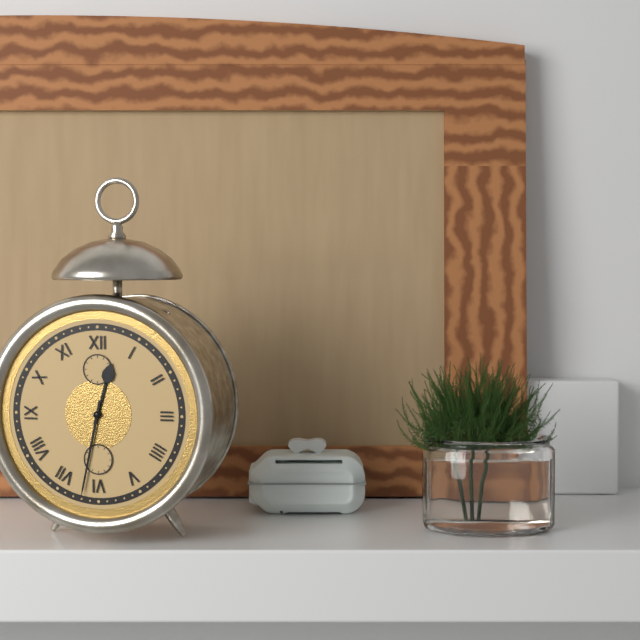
12:32
